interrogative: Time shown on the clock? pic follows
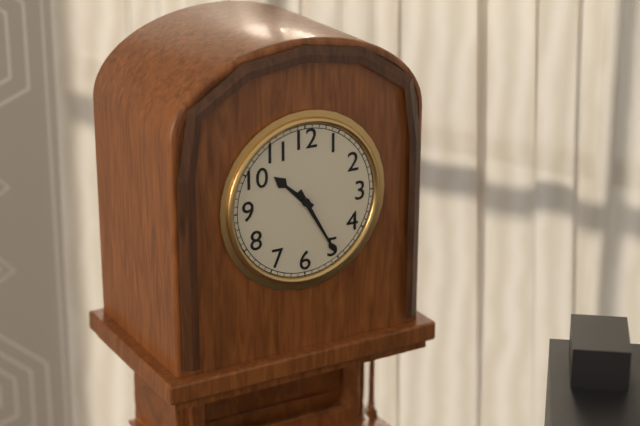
10:25
